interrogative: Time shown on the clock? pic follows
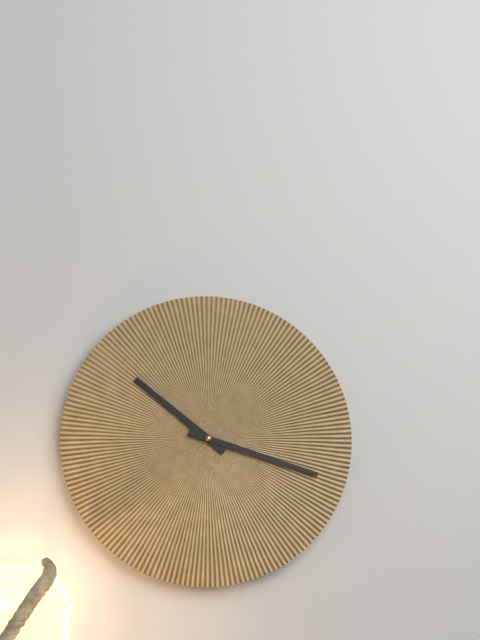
10:18
